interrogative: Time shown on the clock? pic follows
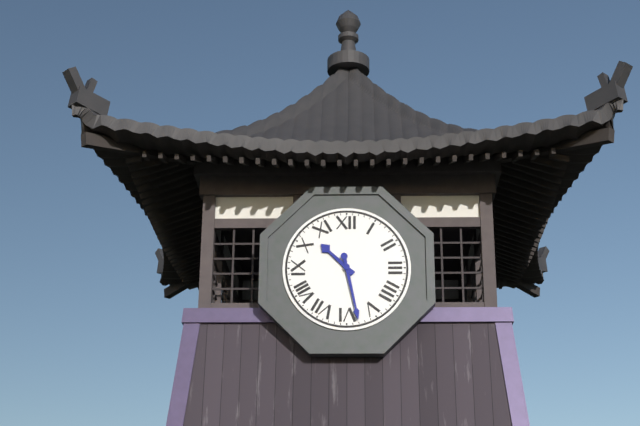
10:28
